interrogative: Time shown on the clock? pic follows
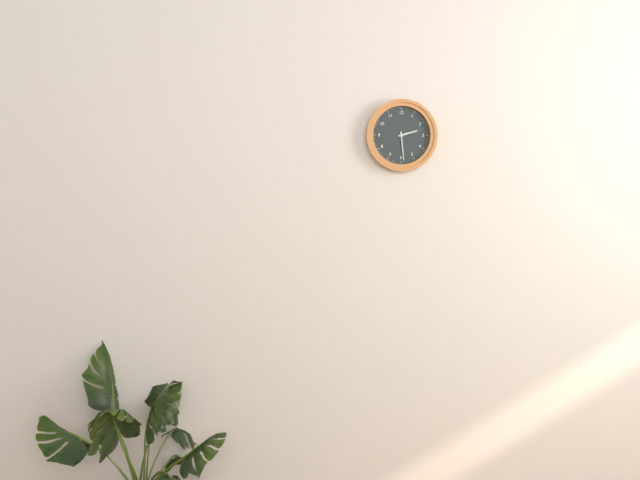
2:29
